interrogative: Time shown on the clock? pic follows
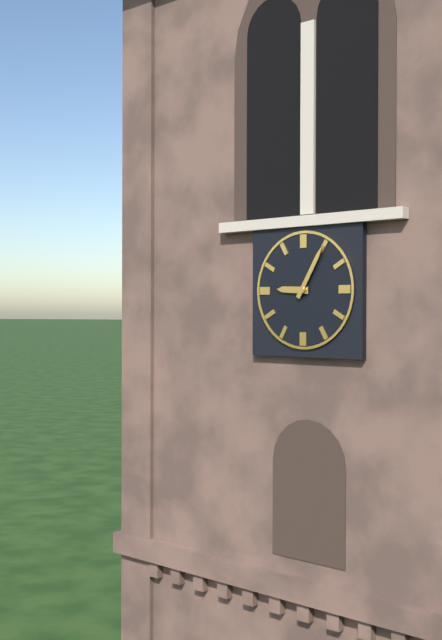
9:05
